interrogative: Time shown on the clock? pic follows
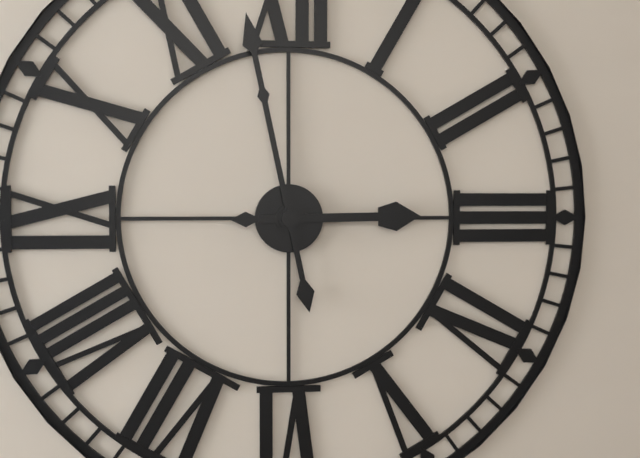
2:58
